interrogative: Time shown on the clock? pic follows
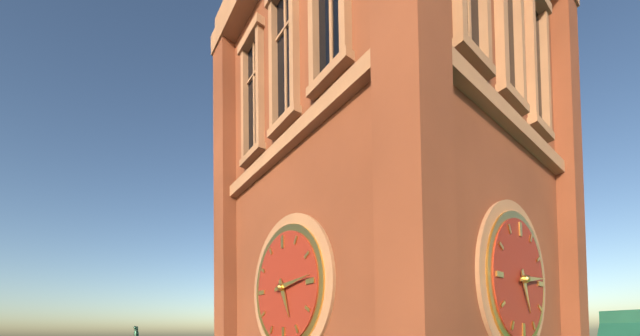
5:14
